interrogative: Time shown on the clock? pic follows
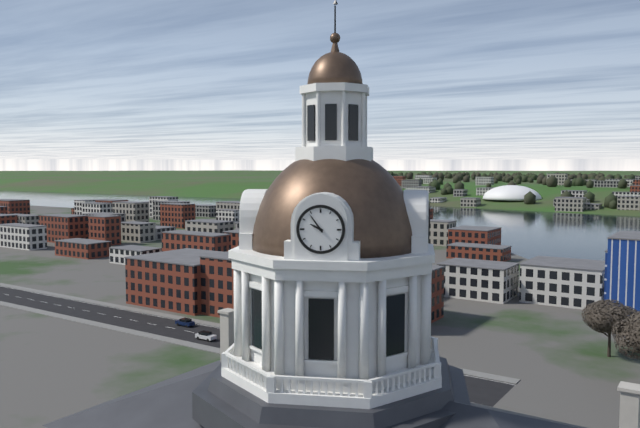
9:54
